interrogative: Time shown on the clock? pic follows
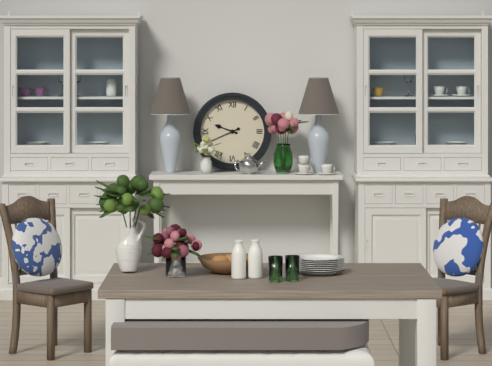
9:41
